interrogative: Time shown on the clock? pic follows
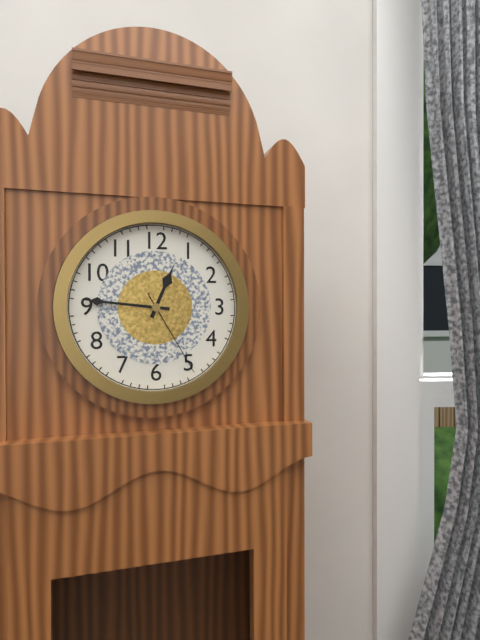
12:46:25
